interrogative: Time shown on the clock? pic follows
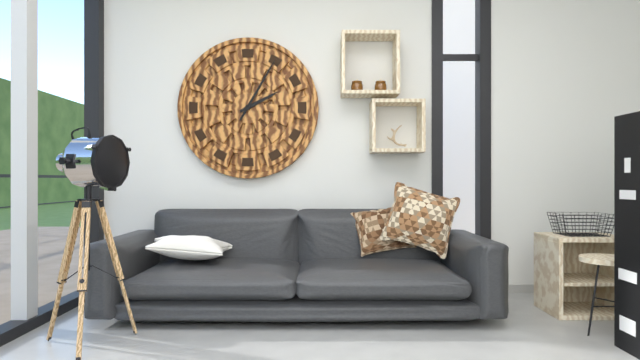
2:05
